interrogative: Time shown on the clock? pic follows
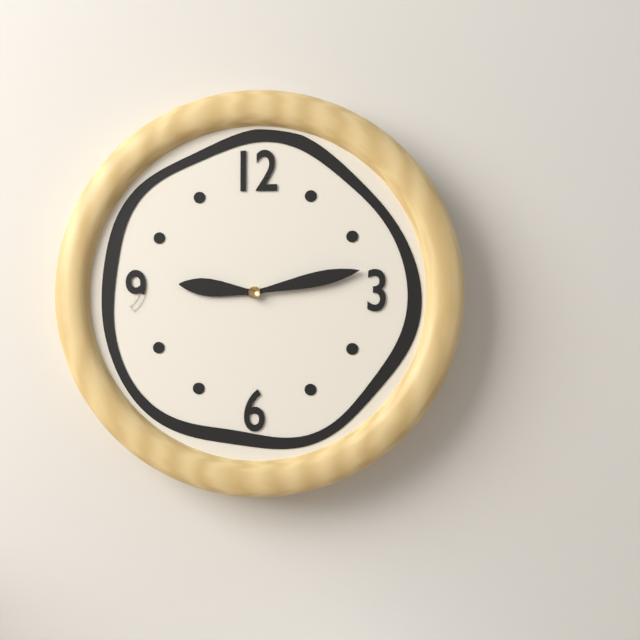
9:13
